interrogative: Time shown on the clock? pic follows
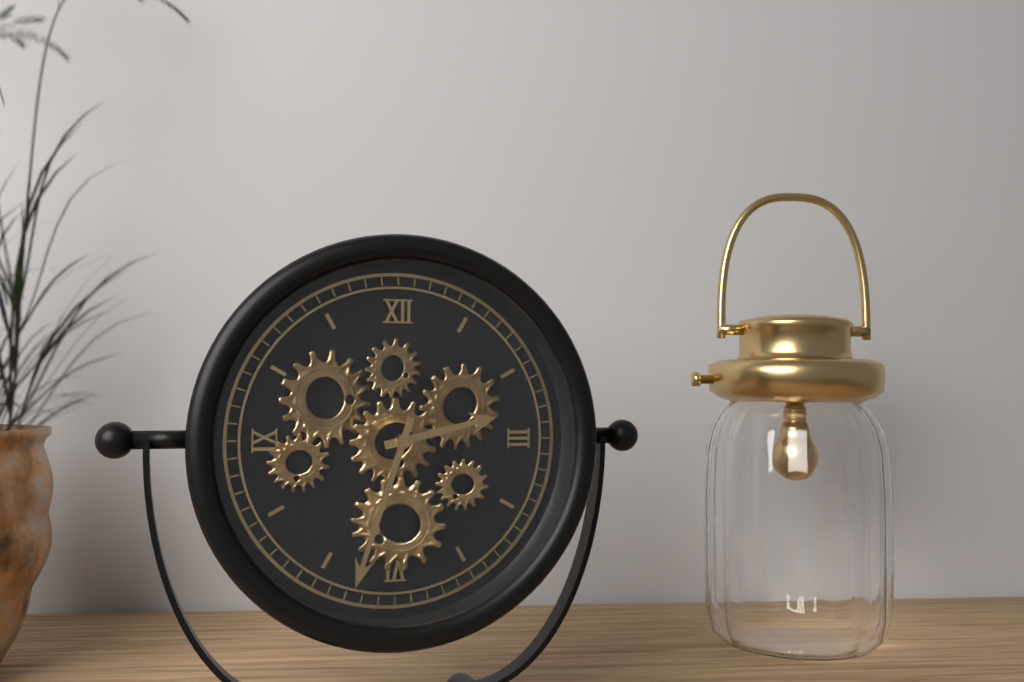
2:33
